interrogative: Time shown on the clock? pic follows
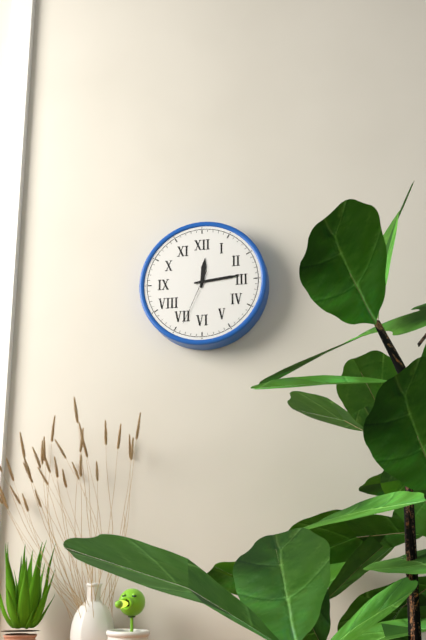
12:14:34
